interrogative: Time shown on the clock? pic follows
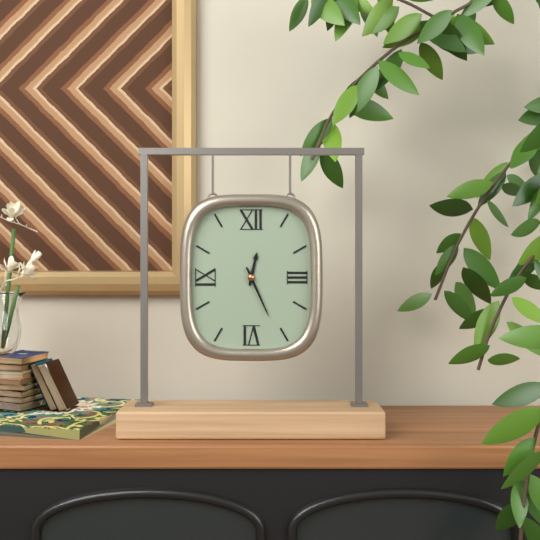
12:26
